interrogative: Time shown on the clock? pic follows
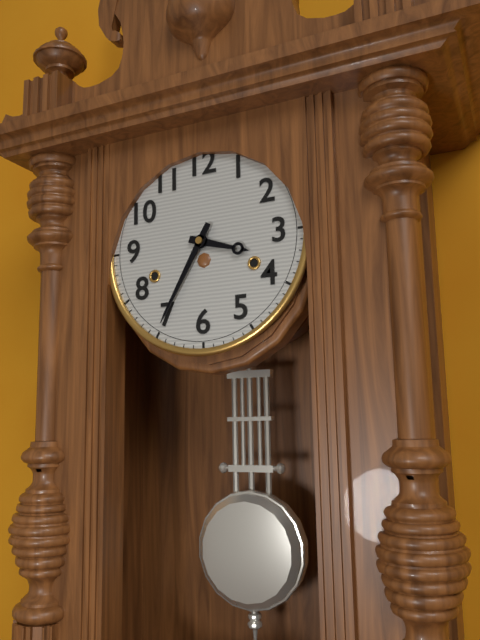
3:35
